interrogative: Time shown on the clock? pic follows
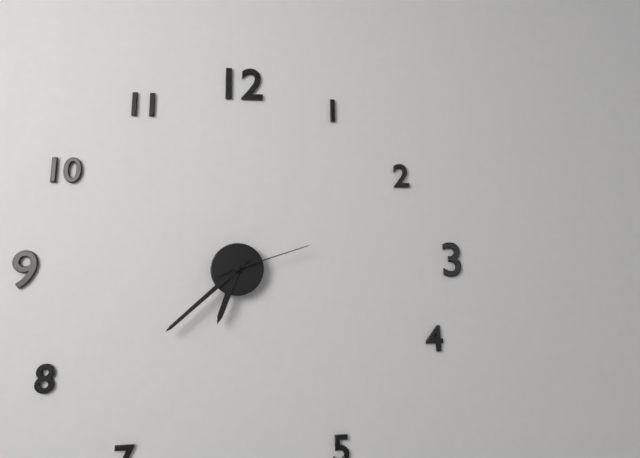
6:38:12
